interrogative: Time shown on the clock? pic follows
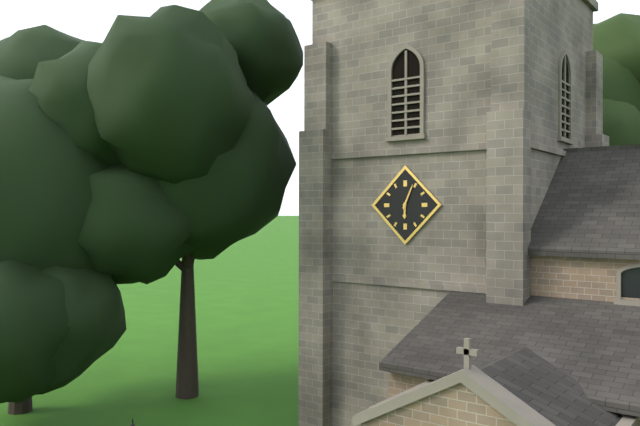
6:04
